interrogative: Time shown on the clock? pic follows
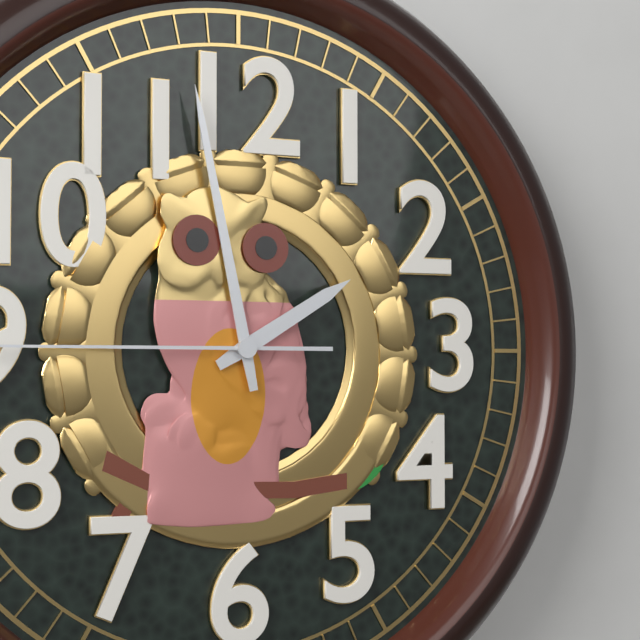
1:58
